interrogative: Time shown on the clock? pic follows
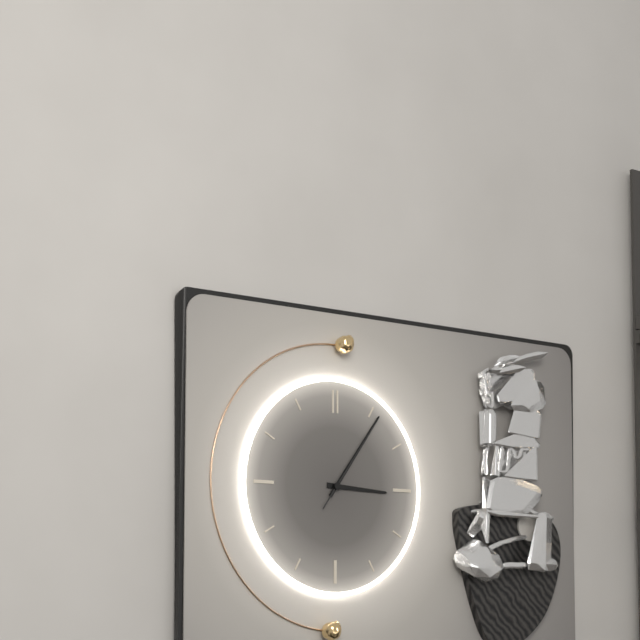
3:06:06
